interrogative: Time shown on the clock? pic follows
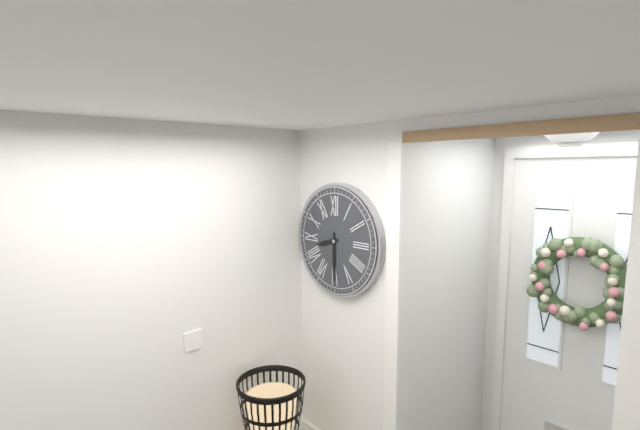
8:30
